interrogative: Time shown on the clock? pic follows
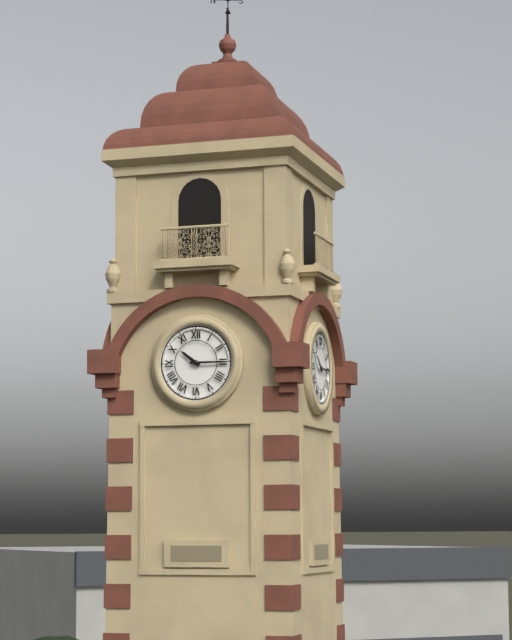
10:15
